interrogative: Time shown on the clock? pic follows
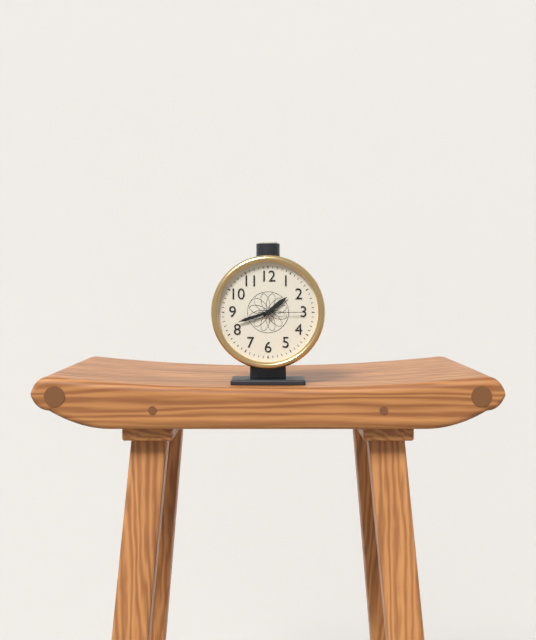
1:42
